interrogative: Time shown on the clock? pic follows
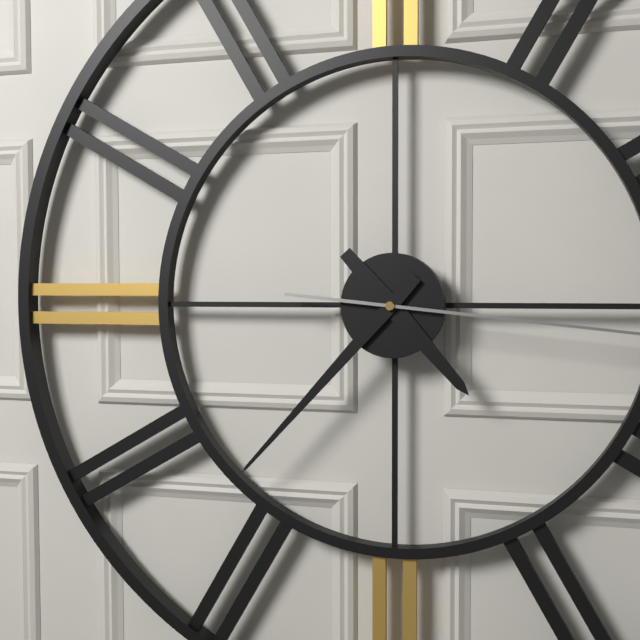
4:37
